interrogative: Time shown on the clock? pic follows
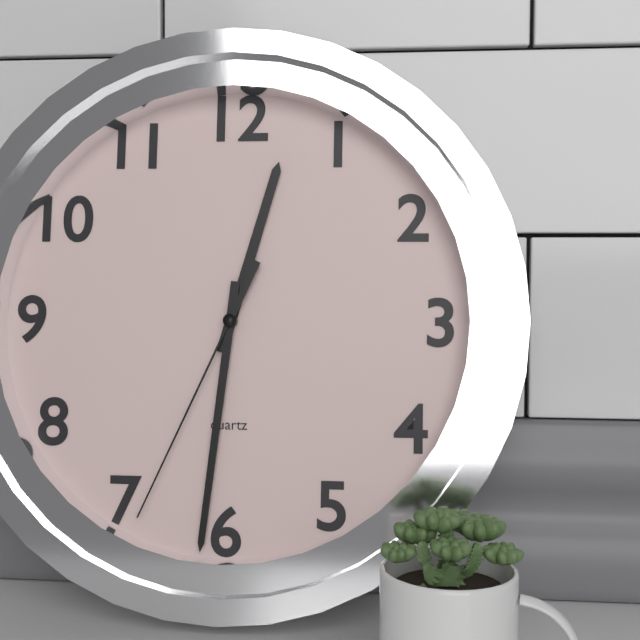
12:31:34
